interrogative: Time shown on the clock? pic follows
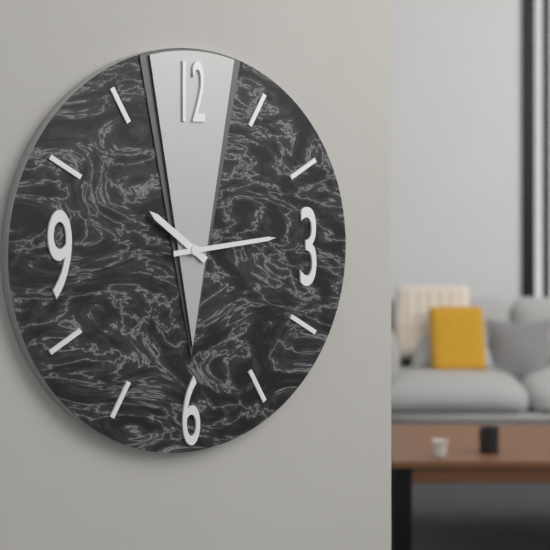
10:14
